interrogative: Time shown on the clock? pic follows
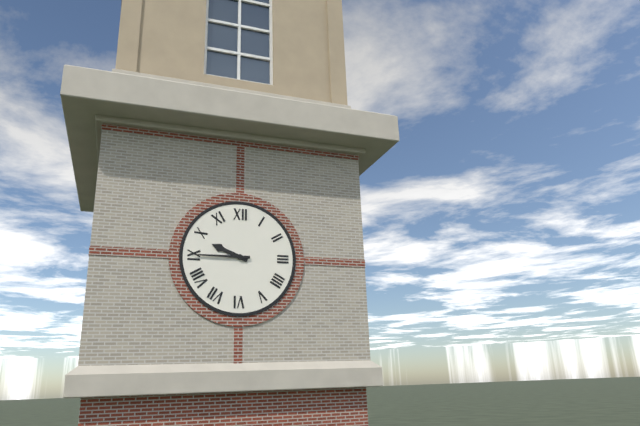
9:45
